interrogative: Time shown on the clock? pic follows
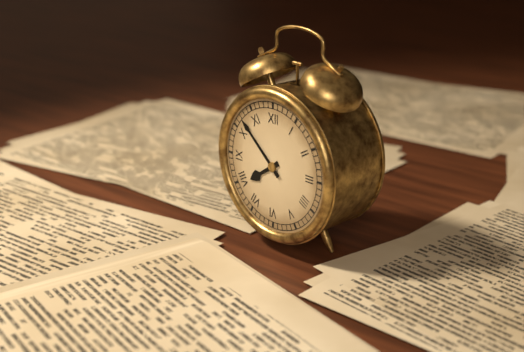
7:52
